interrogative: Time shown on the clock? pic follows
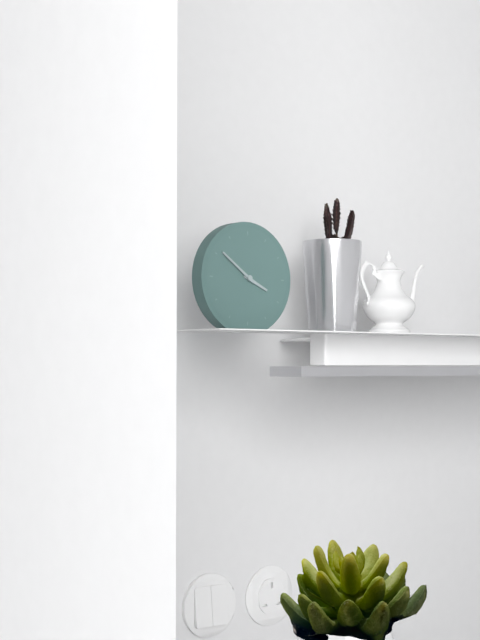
3:51
